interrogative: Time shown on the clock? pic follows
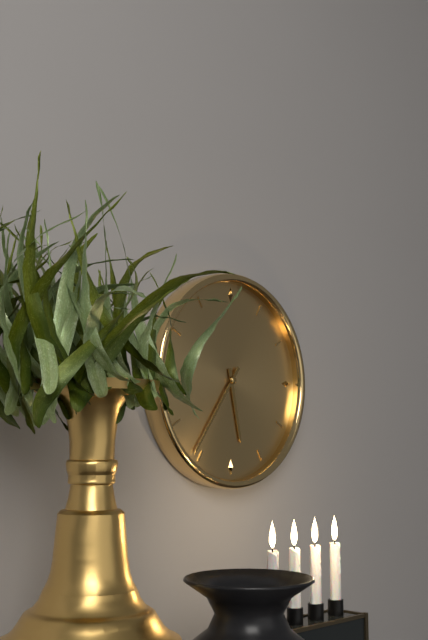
5:36
